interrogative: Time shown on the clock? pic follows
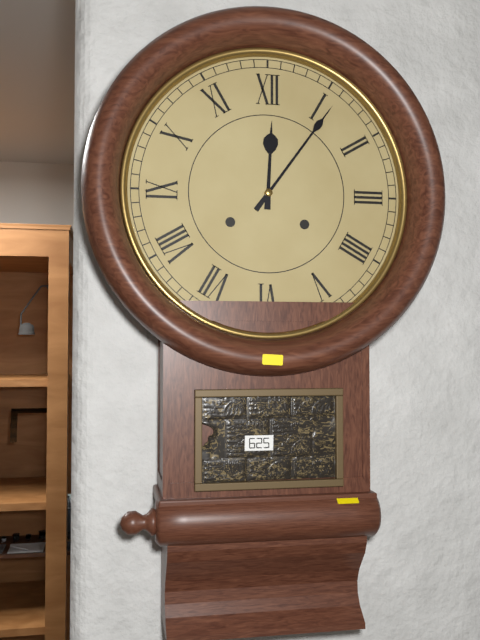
12:06
